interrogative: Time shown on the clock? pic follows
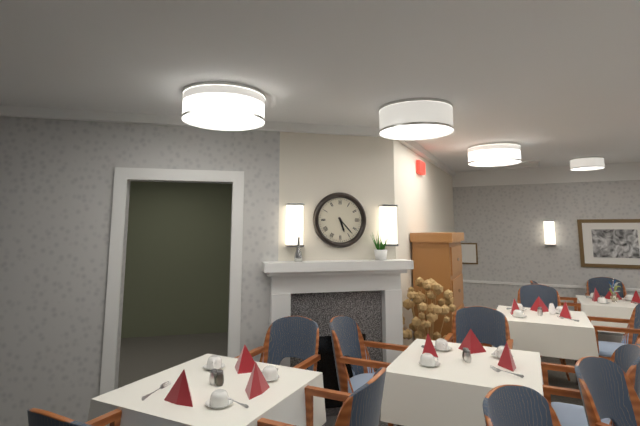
5:23
